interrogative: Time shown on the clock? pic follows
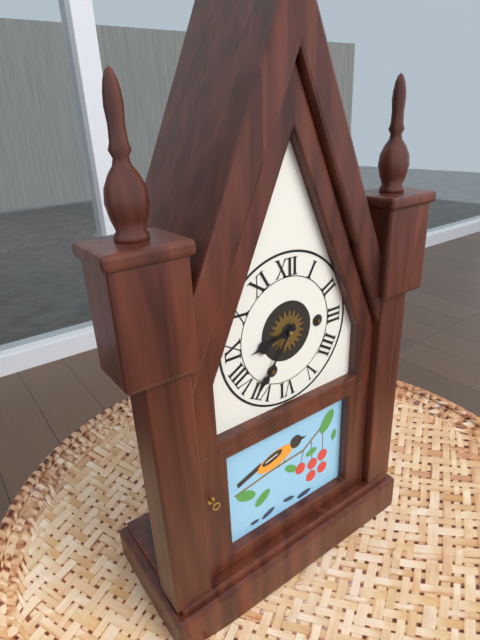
8:36
